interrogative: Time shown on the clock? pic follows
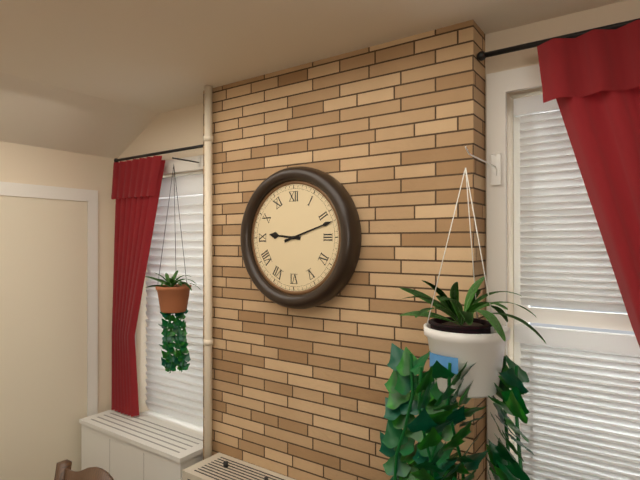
9:12
